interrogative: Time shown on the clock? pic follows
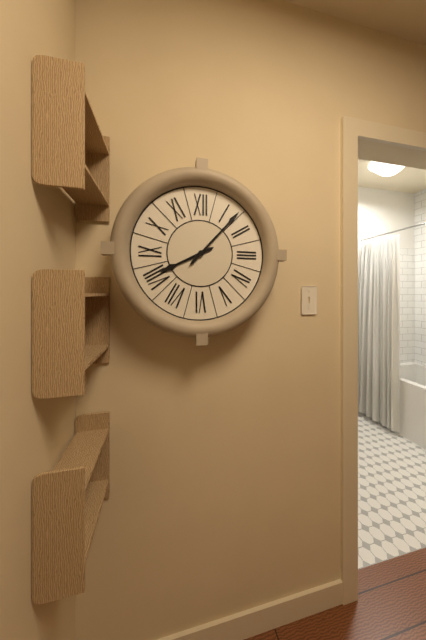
8:07
